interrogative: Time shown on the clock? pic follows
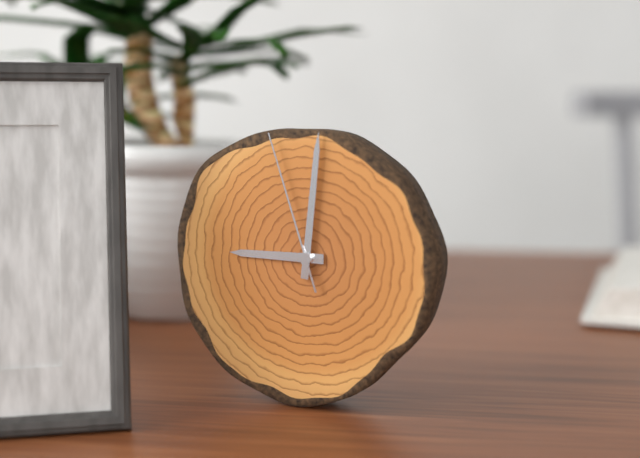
9:01:57
